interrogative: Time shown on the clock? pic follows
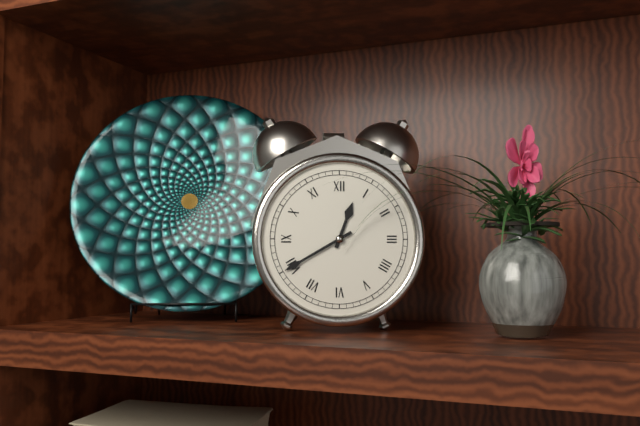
12:40
